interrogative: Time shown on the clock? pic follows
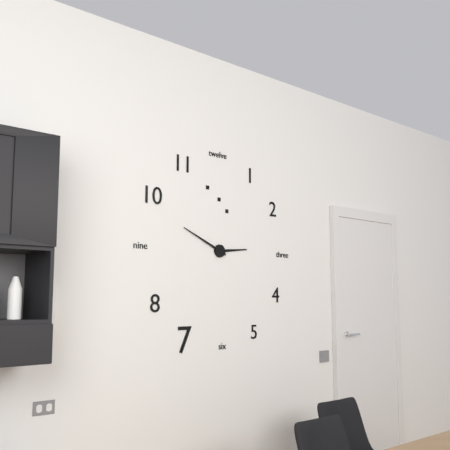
2:49
